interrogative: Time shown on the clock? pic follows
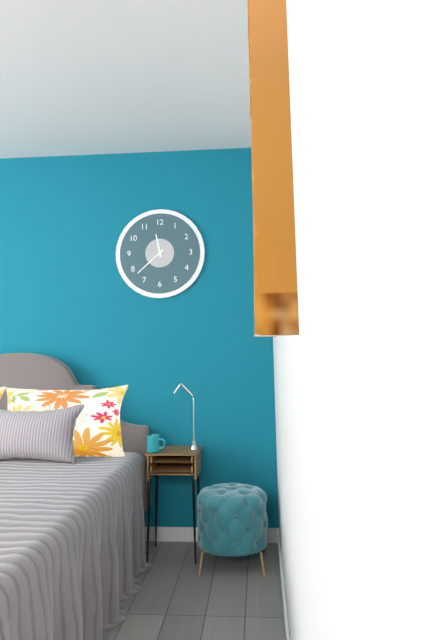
11:38
